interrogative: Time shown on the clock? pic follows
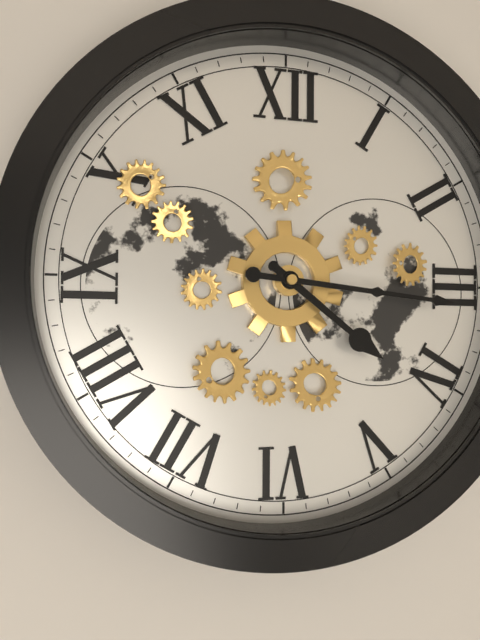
4:16
